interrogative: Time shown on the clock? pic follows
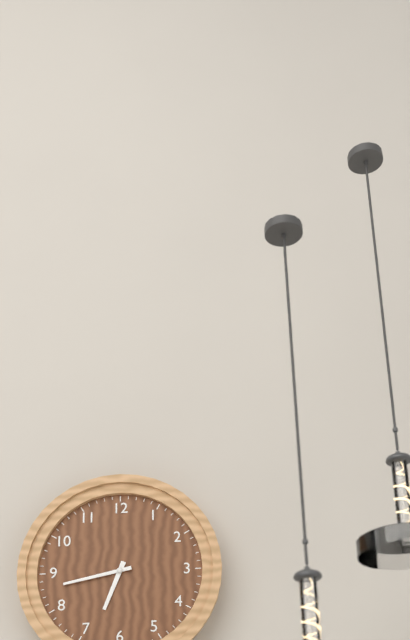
6:43
